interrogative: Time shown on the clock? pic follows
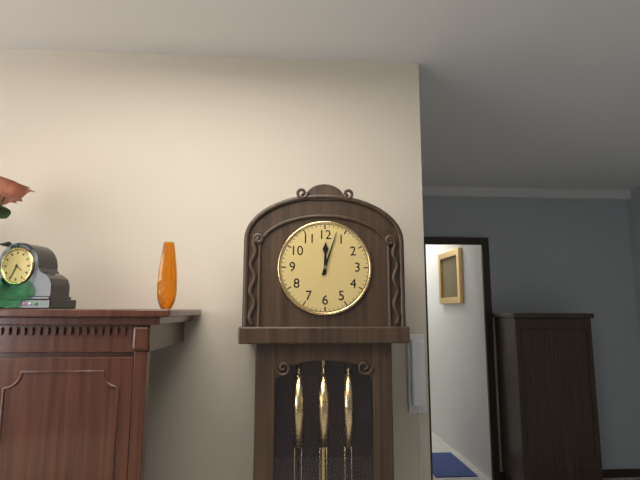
12:03
